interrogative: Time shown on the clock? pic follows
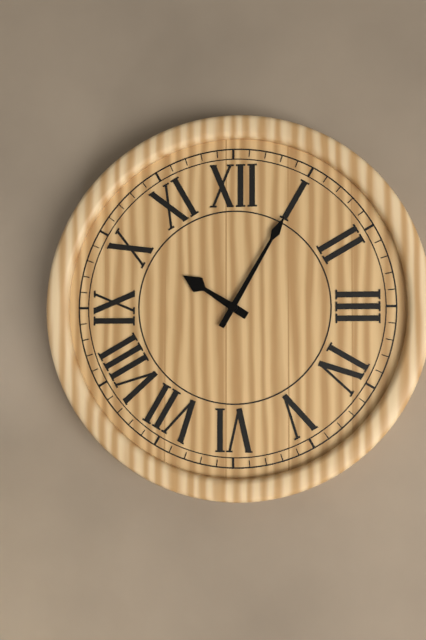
10:05
